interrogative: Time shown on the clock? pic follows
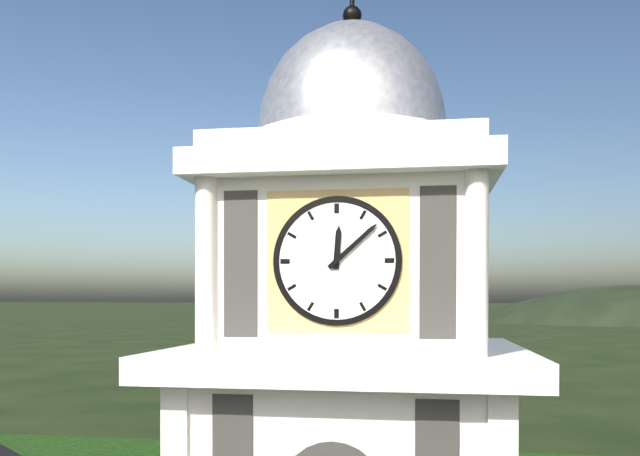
12:08
